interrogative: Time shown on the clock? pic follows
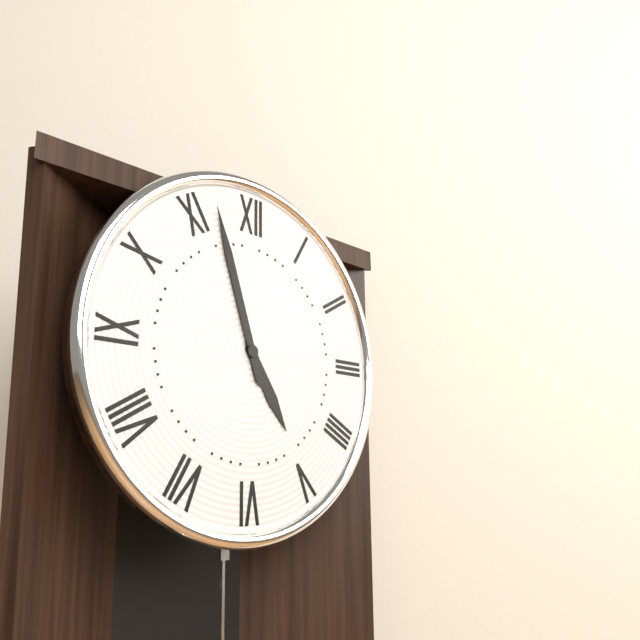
4:57
